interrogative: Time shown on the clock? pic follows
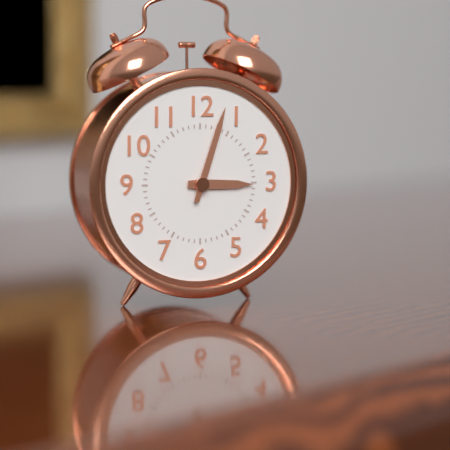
3:03
